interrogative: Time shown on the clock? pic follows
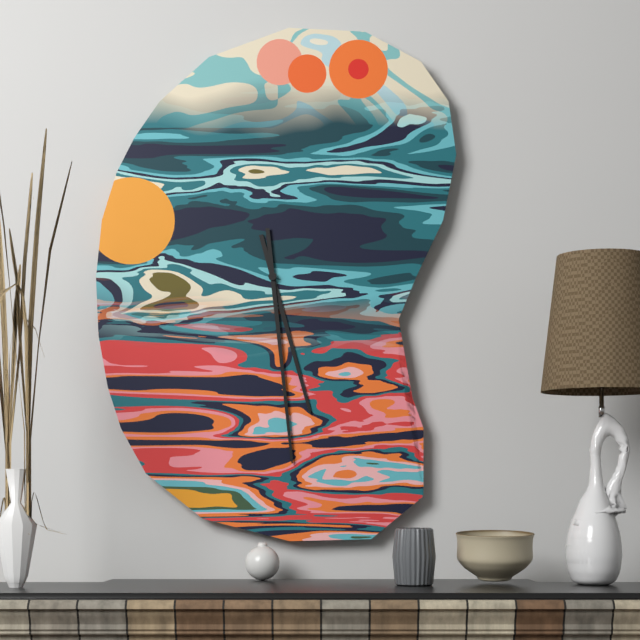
5:29
